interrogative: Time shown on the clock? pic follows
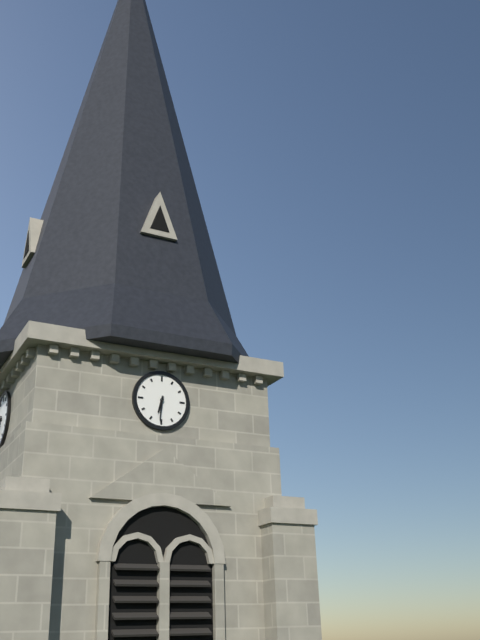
6:31
